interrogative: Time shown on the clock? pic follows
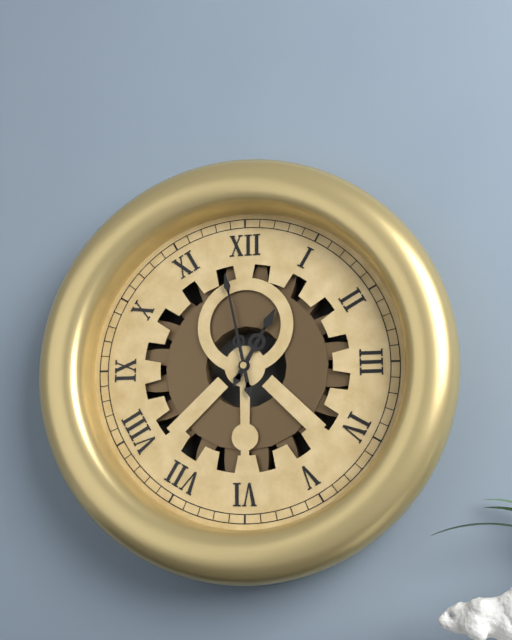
12:58
